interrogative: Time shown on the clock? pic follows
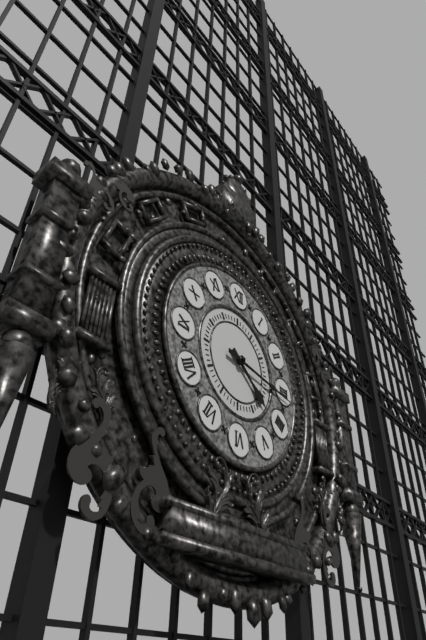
4:16
